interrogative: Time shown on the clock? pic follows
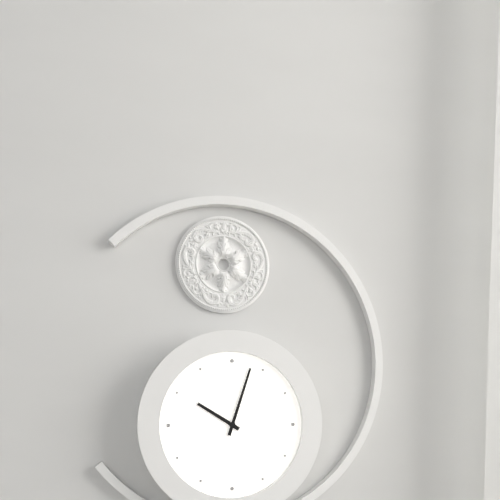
10:03
